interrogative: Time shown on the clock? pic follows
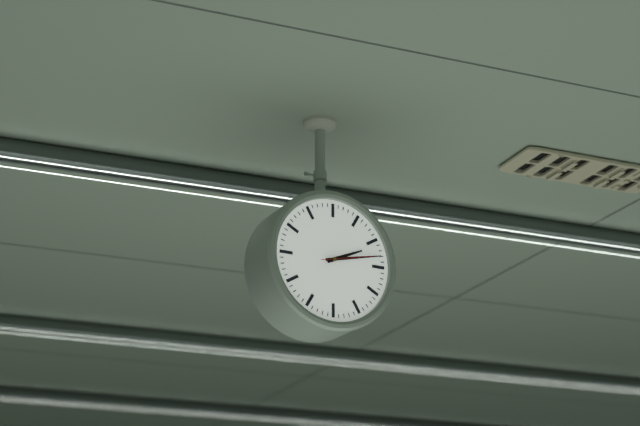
2:13:13
